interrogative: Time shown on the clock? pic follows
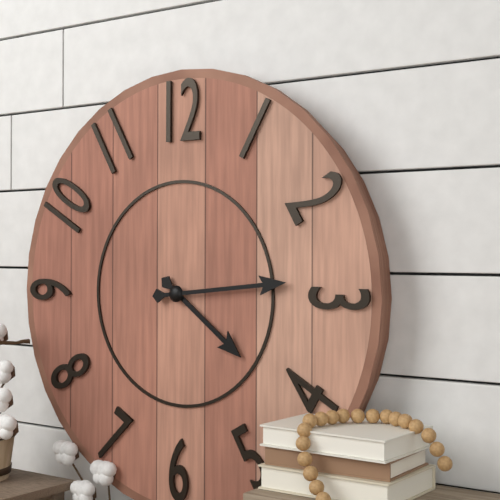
4:14
